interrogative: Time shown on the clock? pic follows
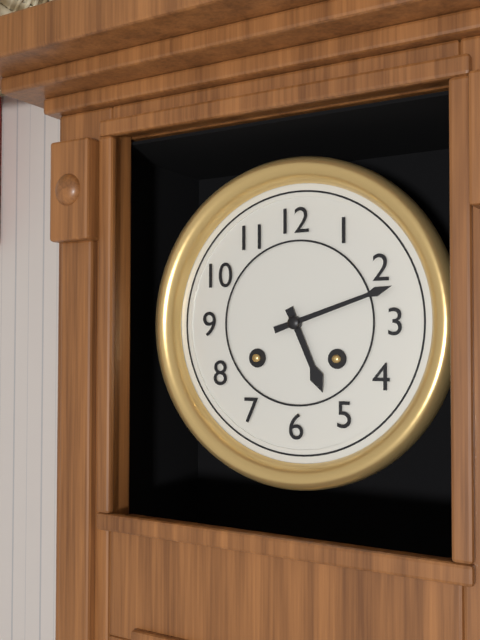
5:12
